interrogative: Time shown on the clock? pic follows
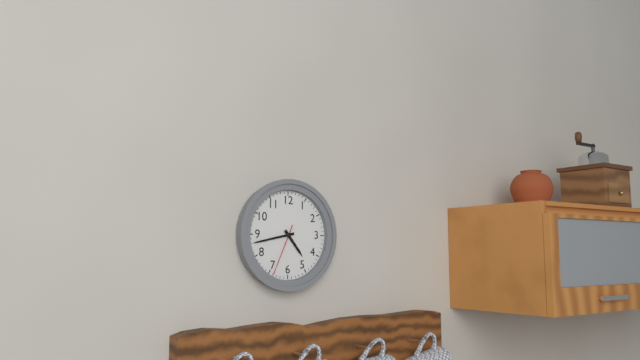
4:43:34
